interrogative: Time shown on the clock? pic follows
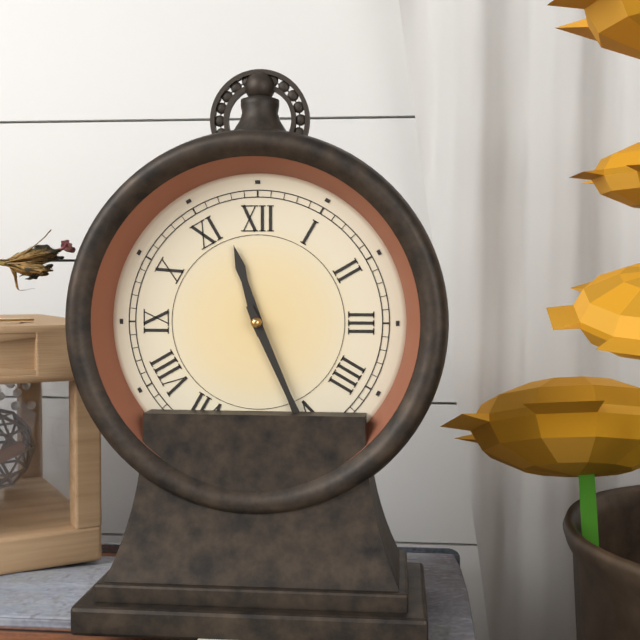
11:26
